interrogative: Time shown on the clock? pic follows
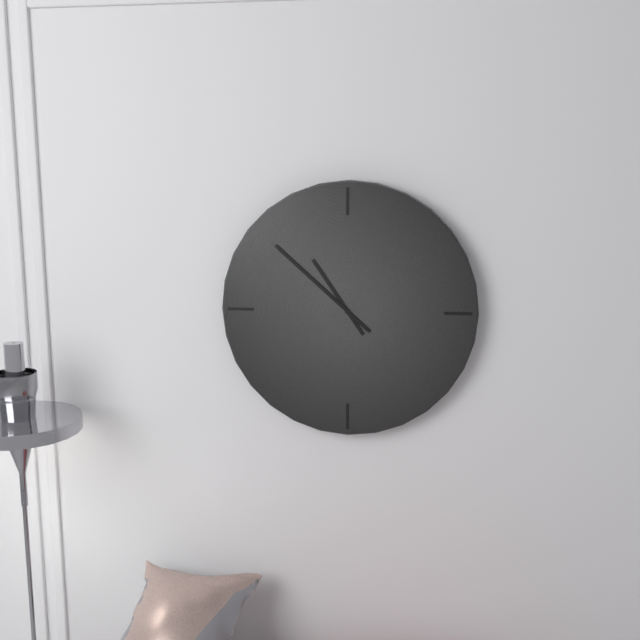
10:52
